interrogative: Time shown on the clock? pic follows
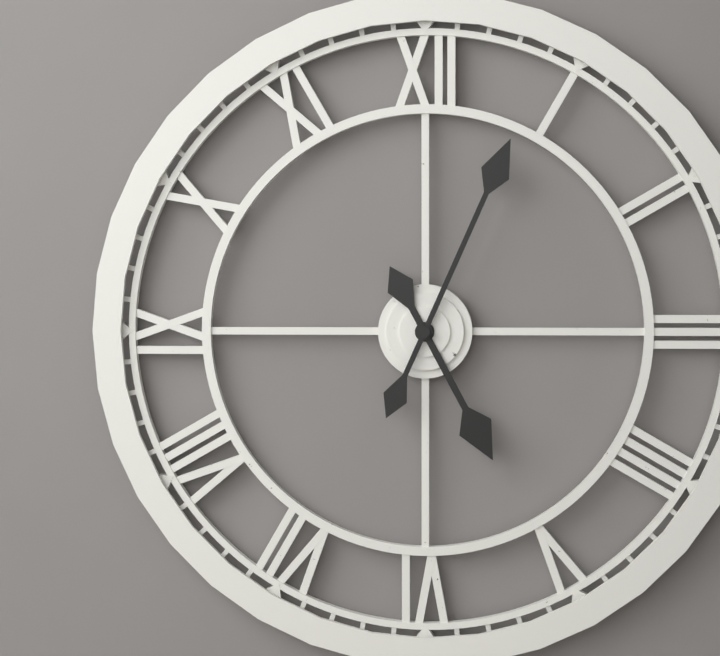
5:04
